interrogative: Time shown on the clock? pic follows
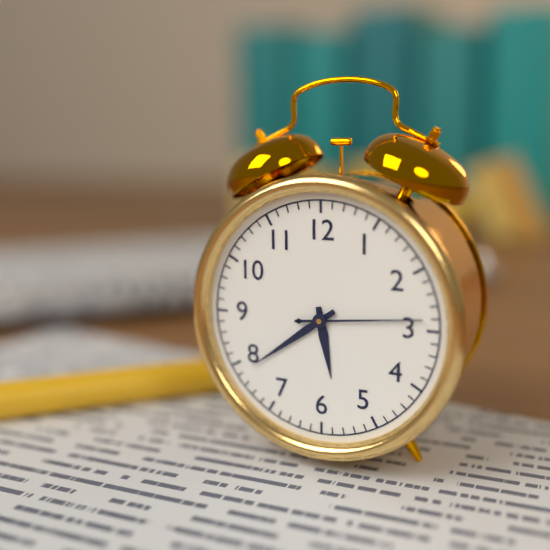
5:39:14
